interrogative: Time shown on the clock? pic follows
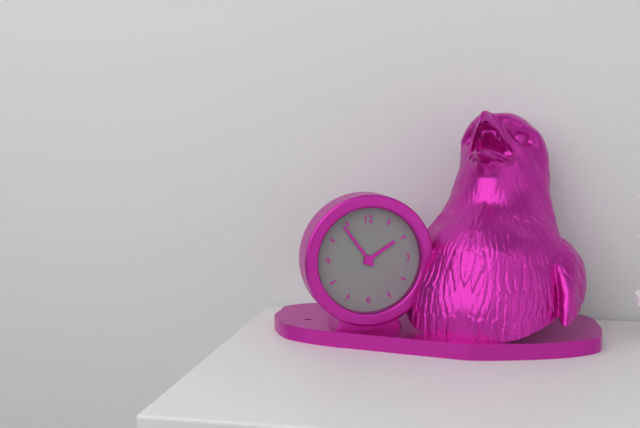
1:54
